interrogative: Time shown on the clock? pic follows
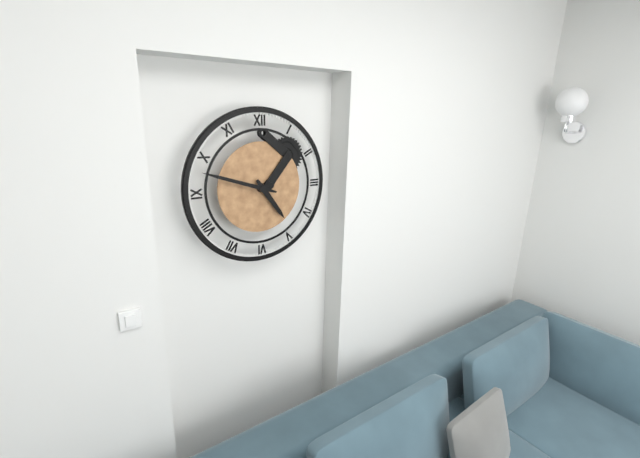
4:48
